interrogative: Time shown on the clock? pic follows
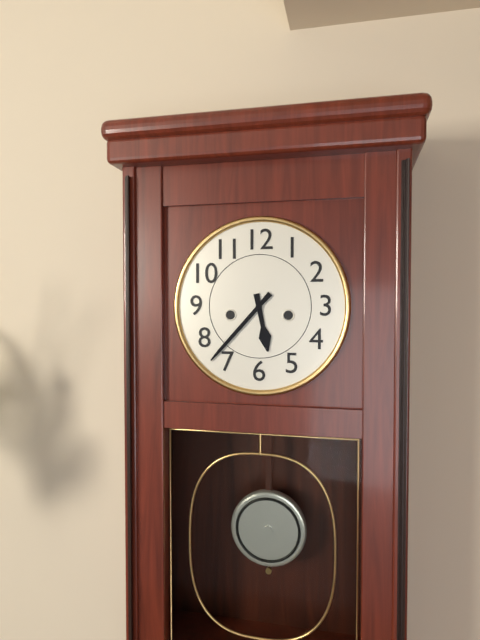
5:37
